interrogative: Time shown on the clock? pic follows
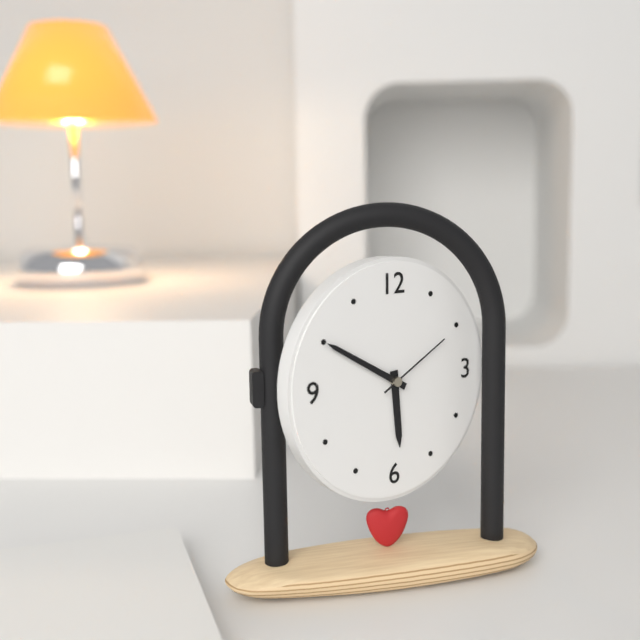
5:50:10
